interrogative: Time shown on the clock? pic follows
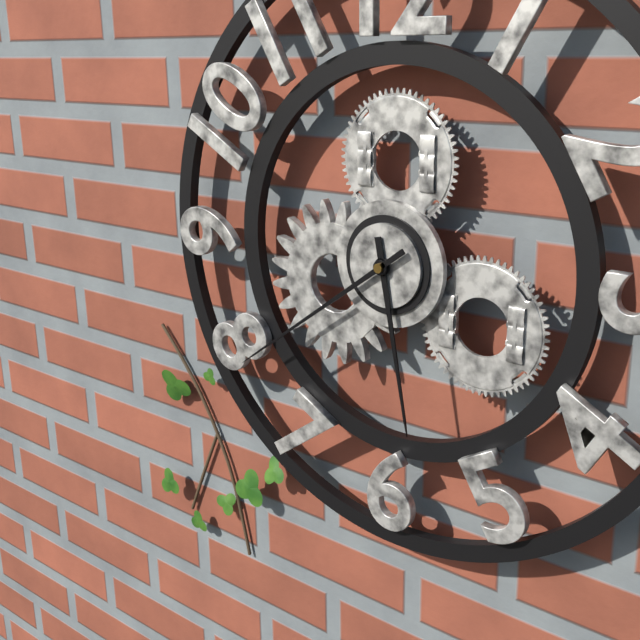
5:39
